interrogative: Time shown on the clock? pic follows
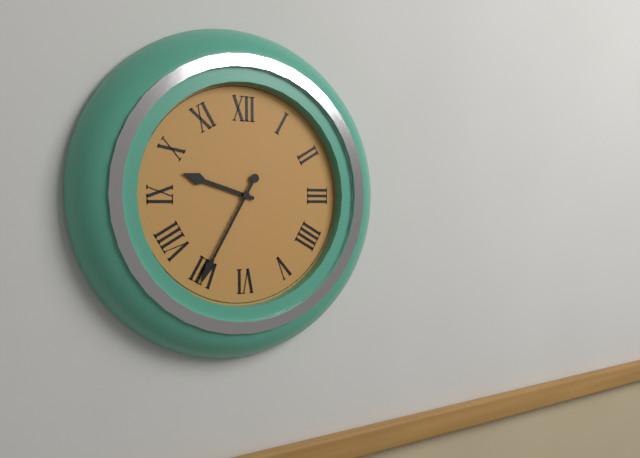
9:35
